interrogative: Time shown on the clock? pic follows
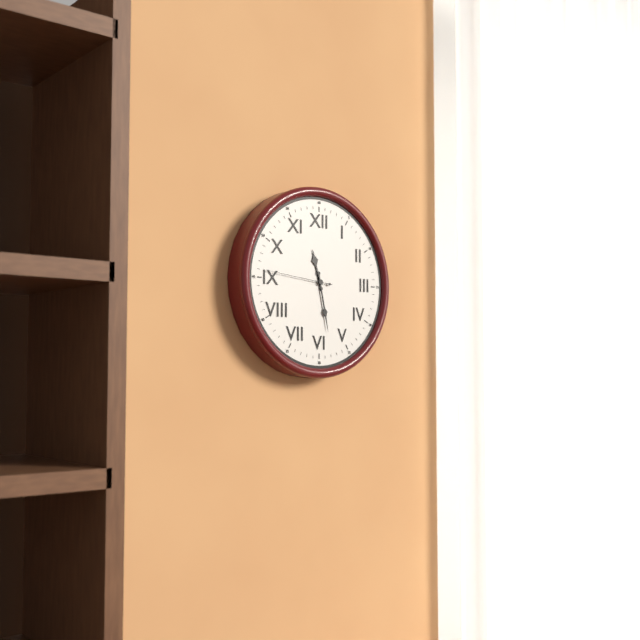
11:28:46
